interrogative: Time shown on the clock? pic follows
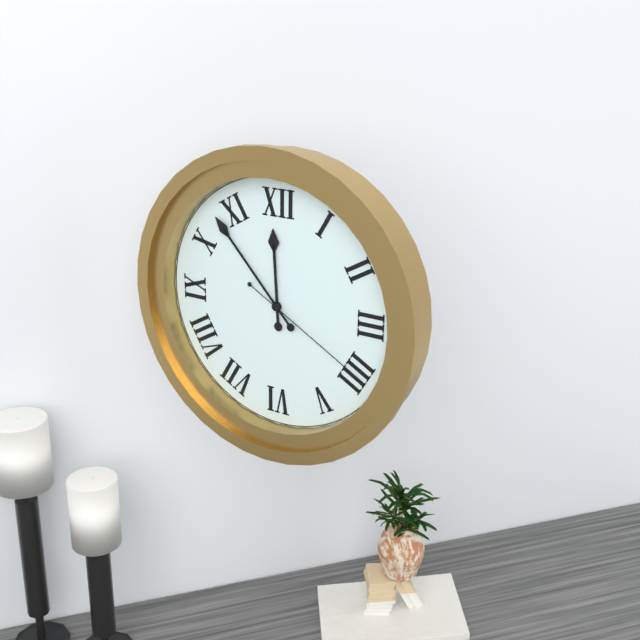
11:53:20
